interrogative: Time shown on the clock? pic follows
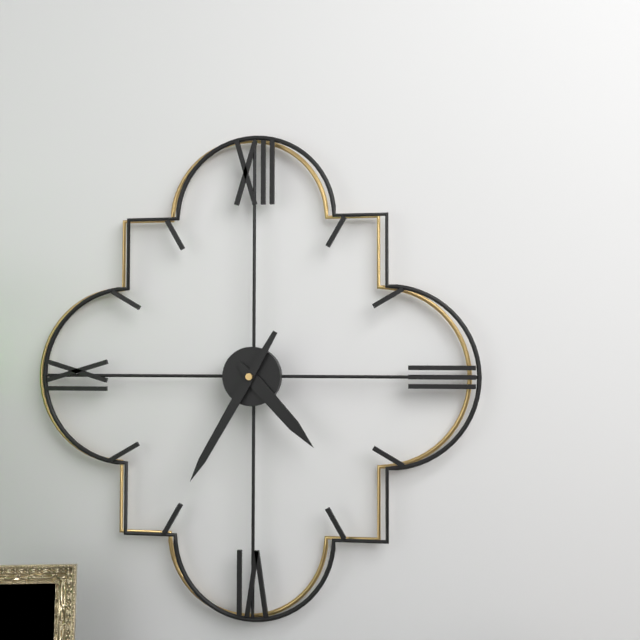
4:35
